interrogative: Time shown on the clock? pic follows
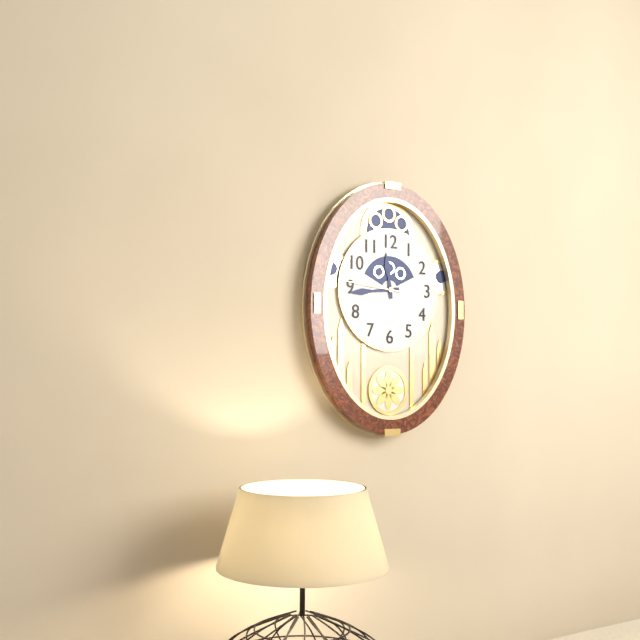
11:44
